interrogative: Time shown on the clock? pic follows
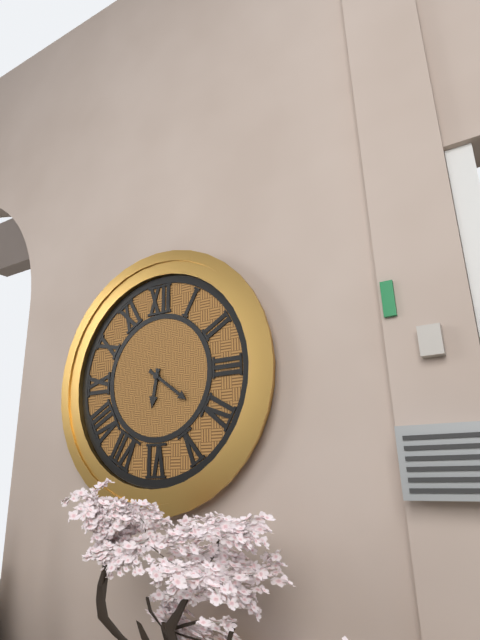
6:21
